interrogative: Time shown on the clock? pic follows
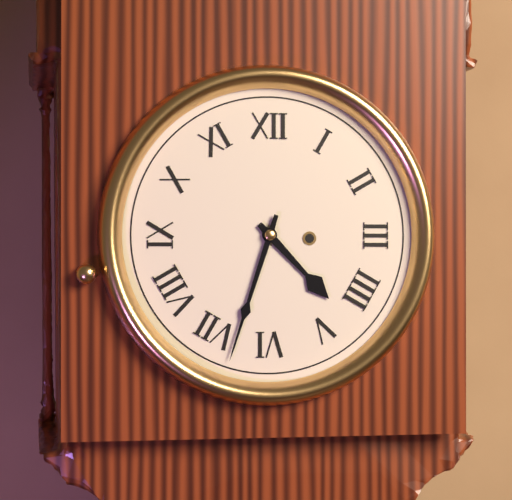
4:33
